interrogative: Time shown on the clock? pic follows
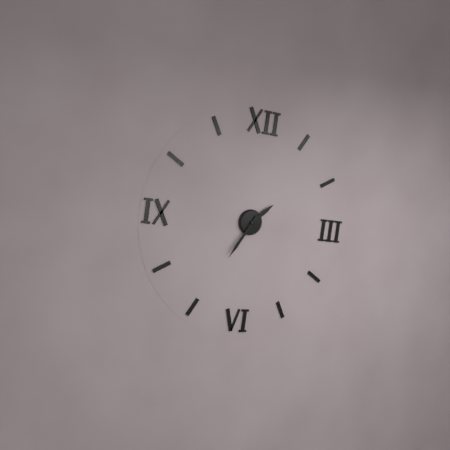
1:35
